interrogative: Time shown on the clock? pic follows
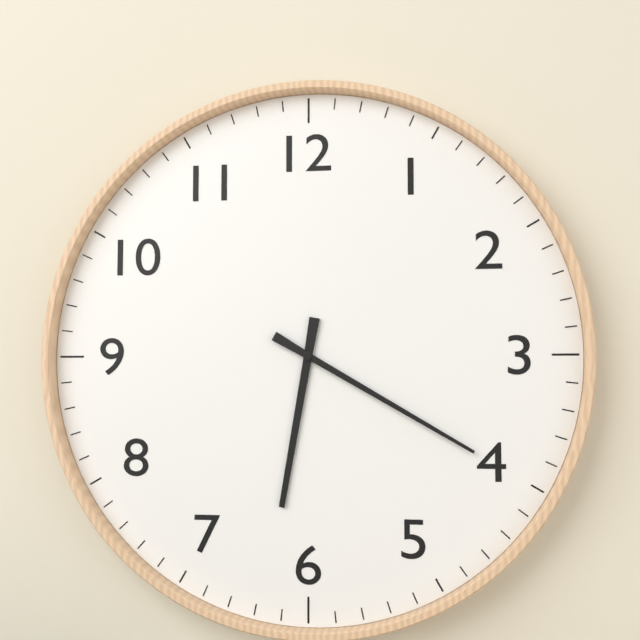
6:20
